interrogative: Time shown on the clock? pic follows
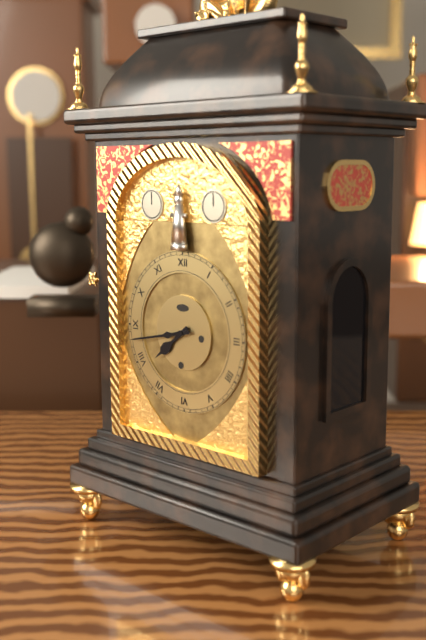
7:43
